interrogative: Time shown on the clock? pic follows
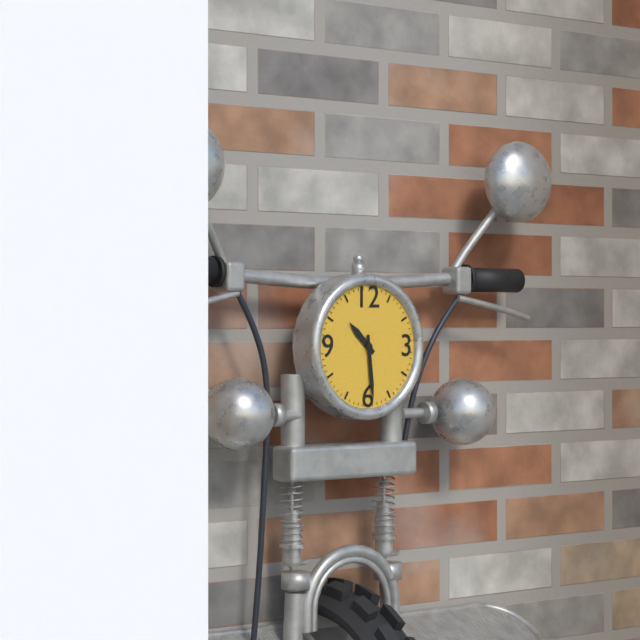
10:29
